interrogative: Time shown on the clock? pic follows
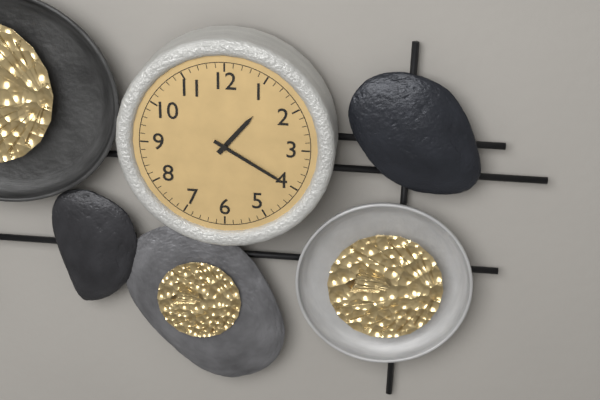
1:20
